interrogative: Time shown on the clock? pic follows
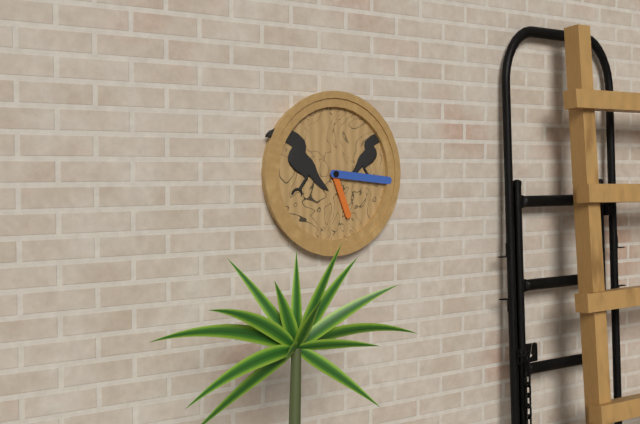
5:16
